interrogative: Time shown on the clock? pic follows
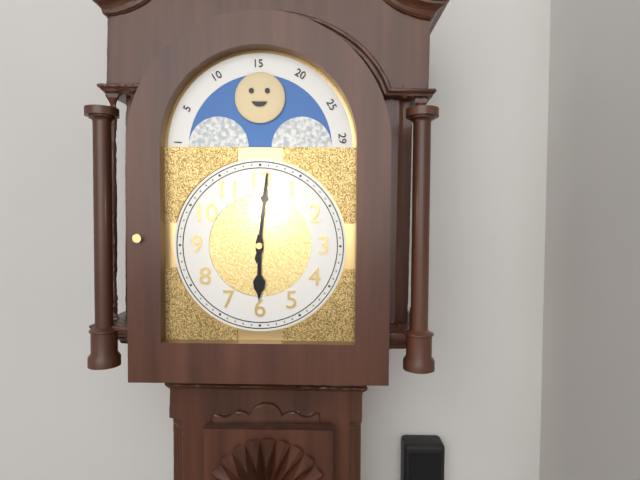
6:01
